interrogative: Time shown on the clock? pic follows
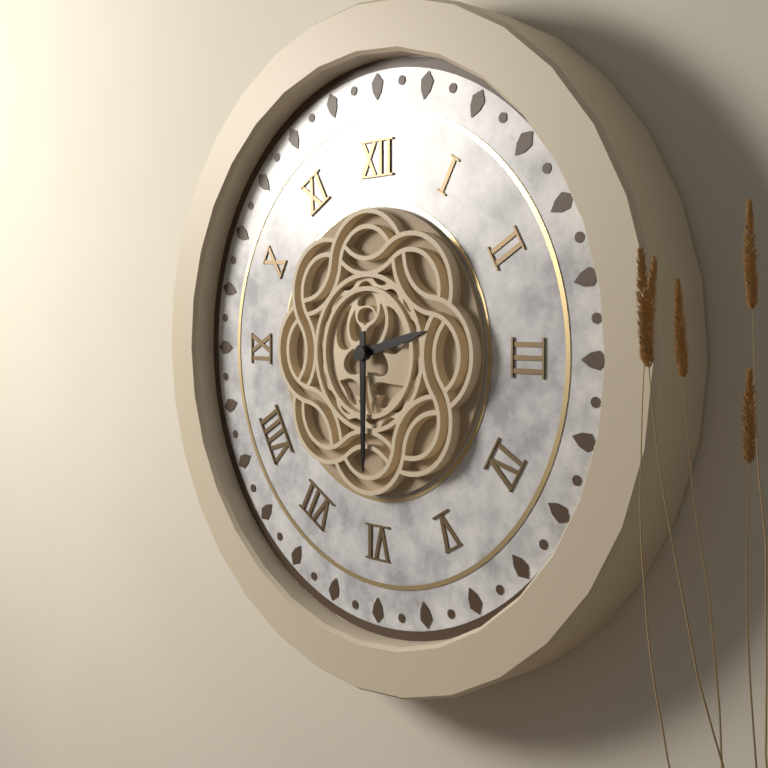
2:30
